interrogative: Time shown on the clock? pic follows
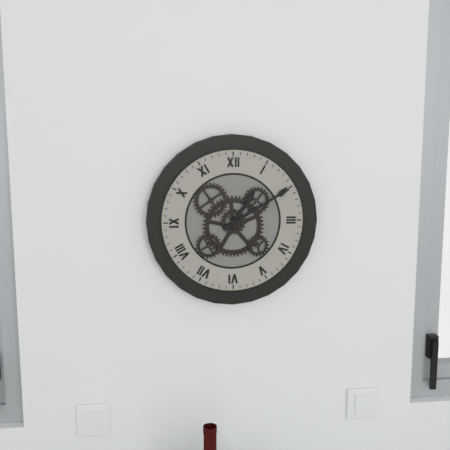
1:10
